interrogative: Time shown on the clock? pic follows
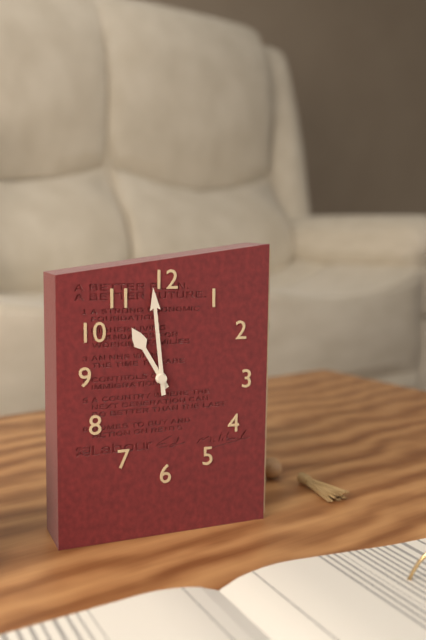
10:59
